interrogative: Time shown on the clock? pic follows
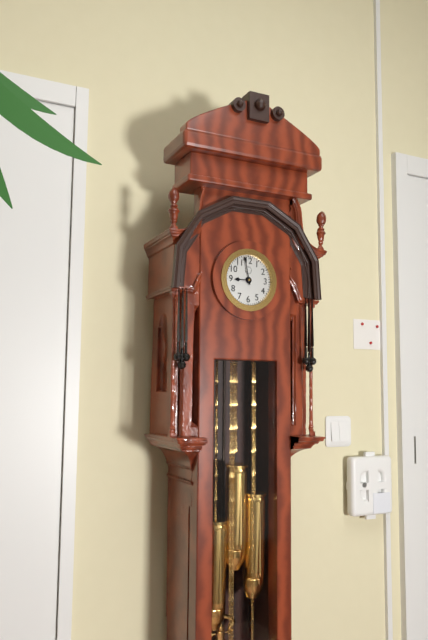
8:58
